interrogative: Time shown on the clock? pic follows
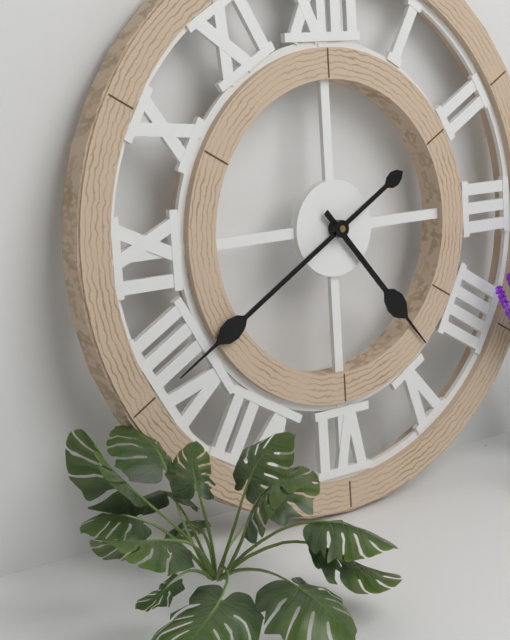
4:40
